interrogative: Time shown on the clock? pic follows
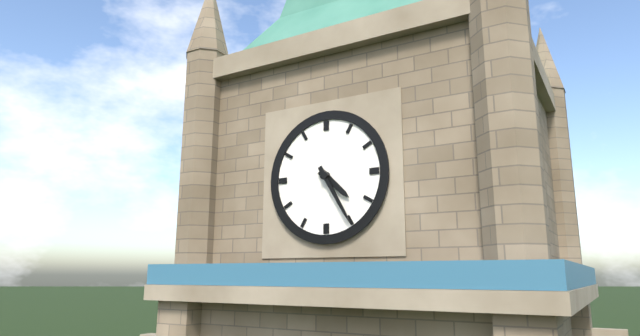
4:25
